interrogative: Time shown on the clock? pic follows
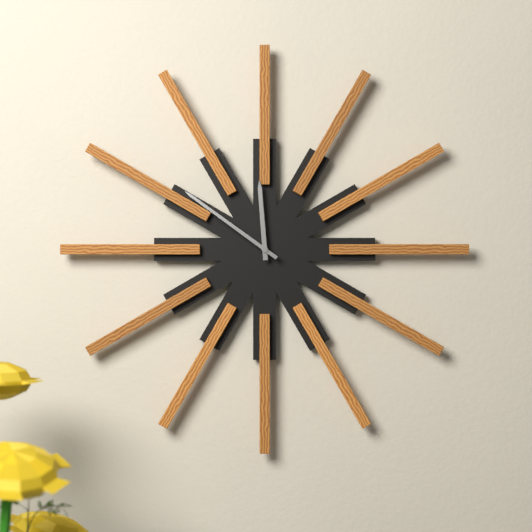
11:51
